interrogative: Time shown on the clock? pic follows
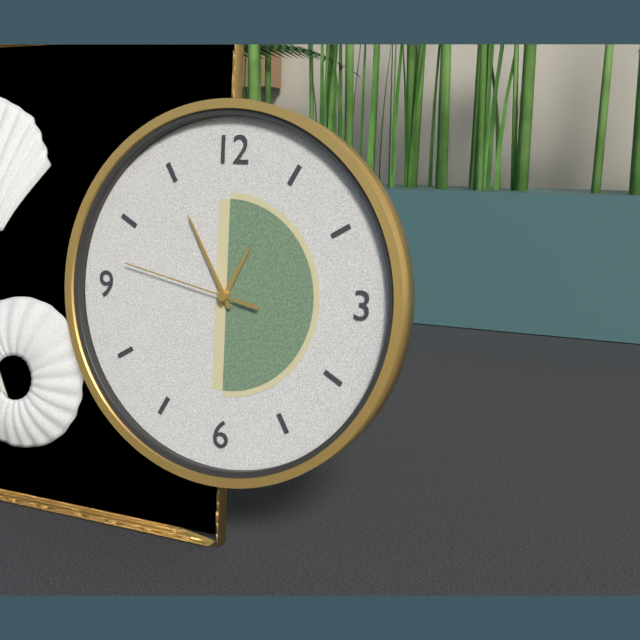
12:55:47
